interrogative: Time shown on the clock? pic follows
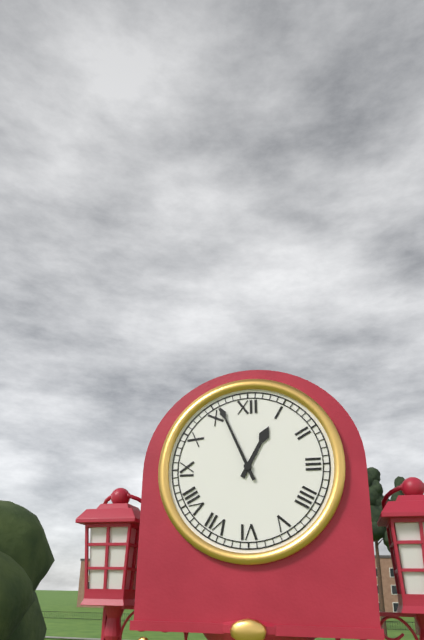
12:56
